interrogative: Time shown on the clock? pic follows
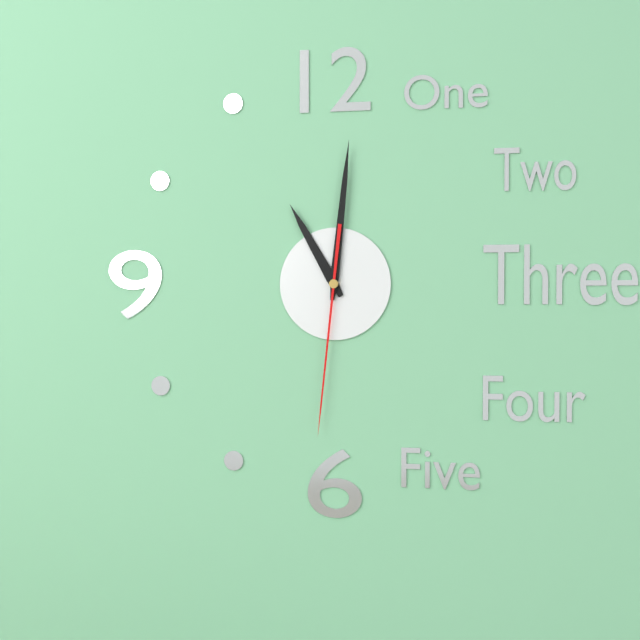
11:01:31
